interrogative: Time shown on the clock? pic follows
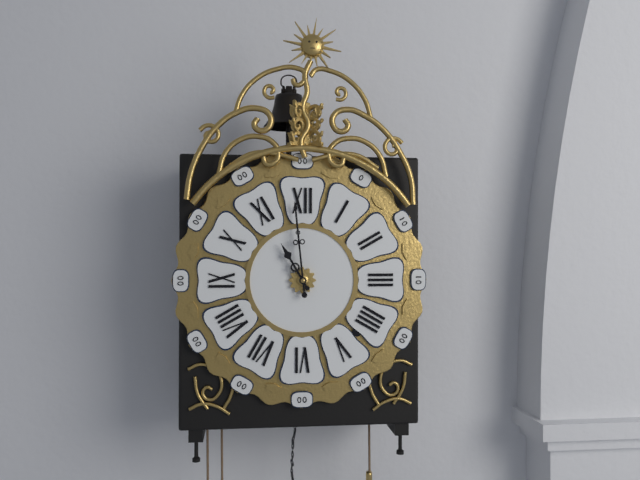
10:59
